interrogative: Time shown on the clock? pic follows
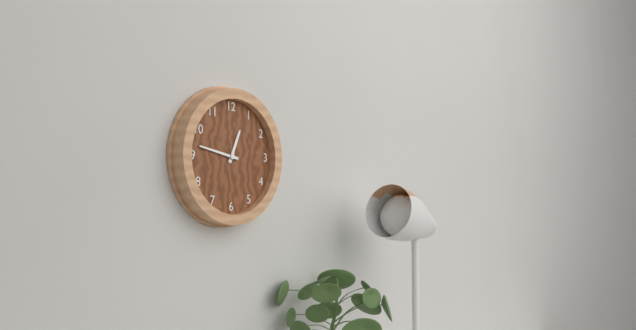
12:47
